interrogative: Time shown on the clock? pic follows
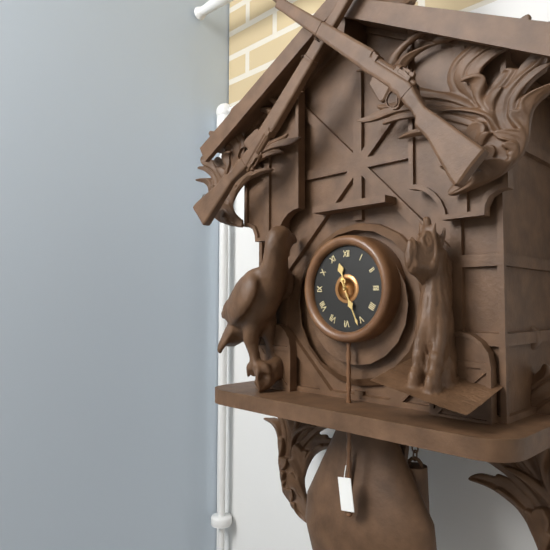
11:26
